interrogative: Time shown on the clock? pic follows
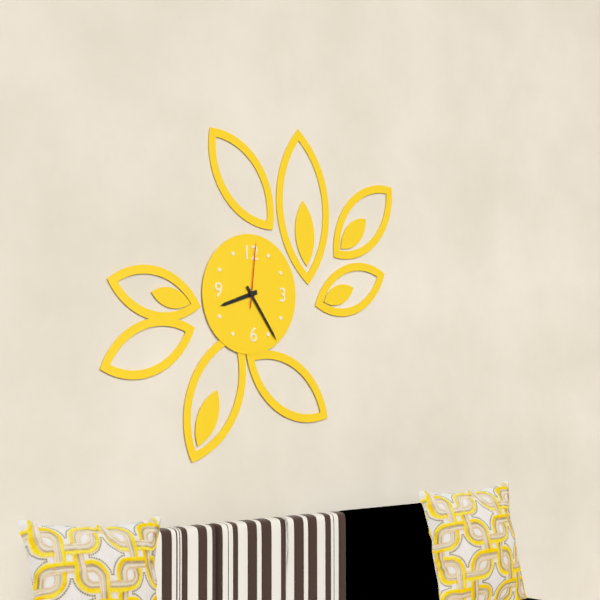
8:24:01
